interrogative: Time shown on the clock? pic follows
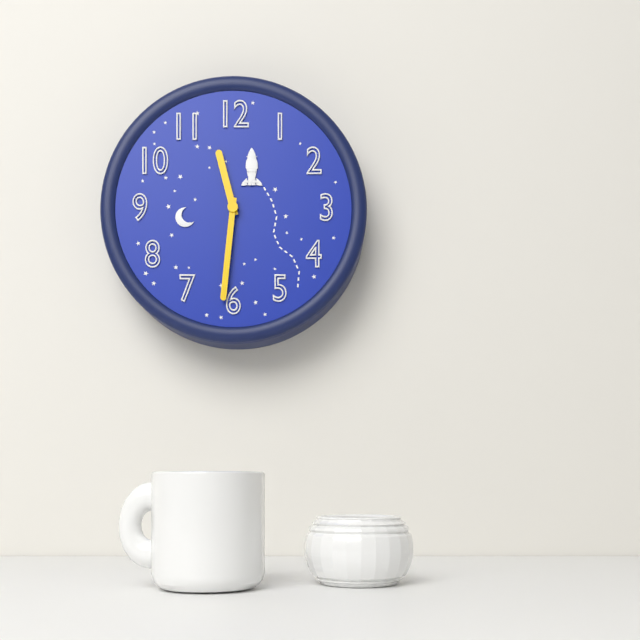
11:31
